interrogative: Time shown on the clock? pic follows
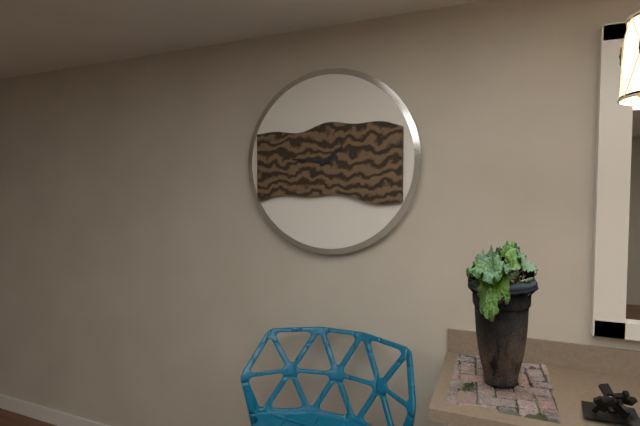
1:46
